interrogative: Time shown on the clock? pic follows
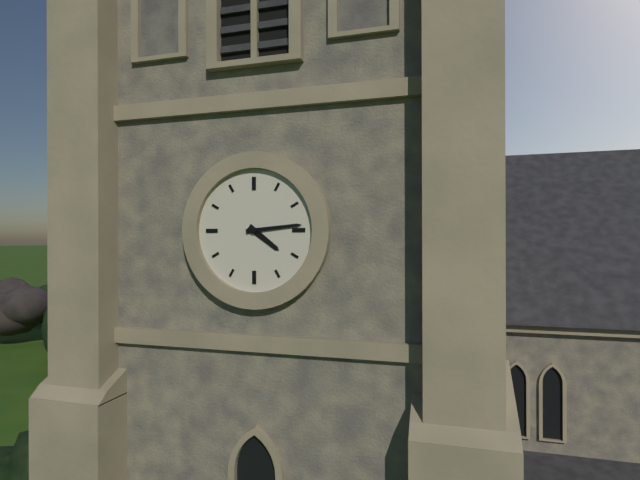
4:14
